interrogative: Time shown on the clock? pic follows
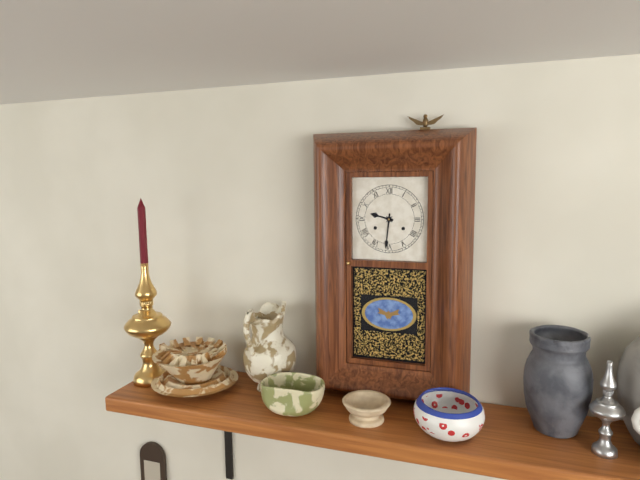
9:31
